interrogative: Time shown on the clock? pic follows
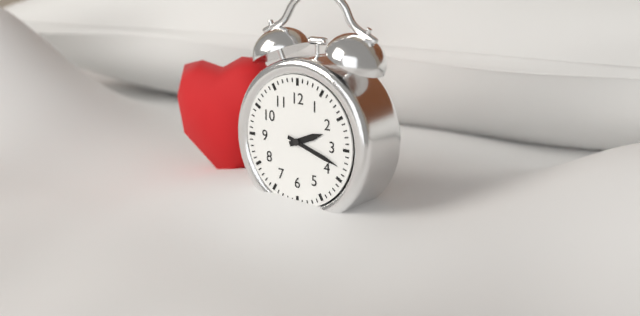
2:18
